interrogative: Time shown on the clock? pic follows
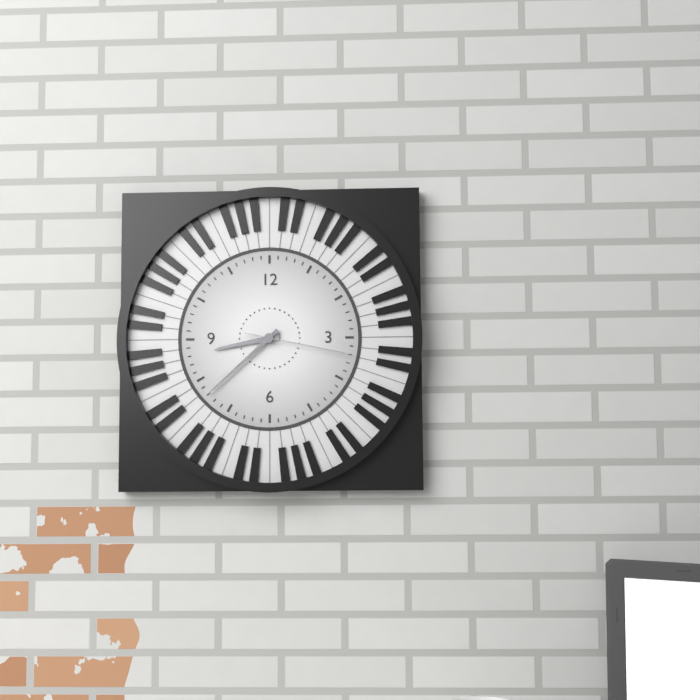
8:38:17
